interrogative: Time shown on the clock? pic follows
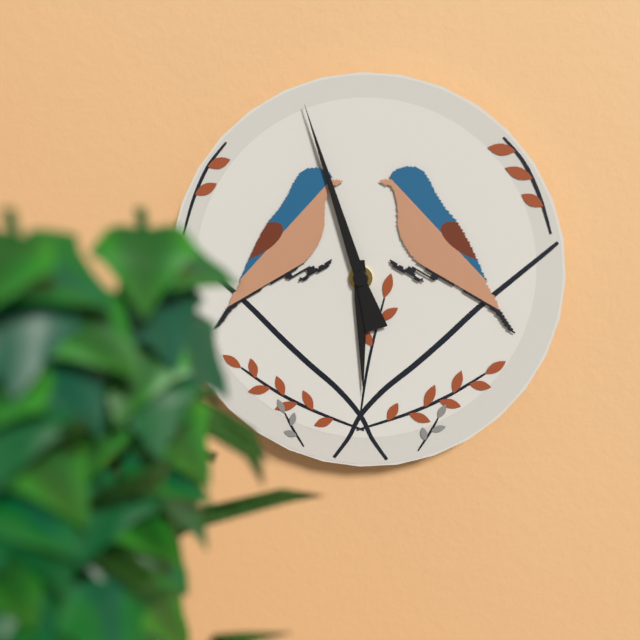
5:57
